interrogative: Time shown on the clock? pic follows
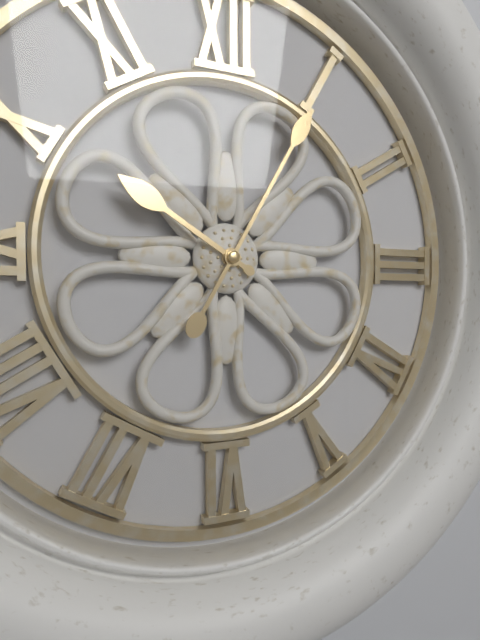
10:05
